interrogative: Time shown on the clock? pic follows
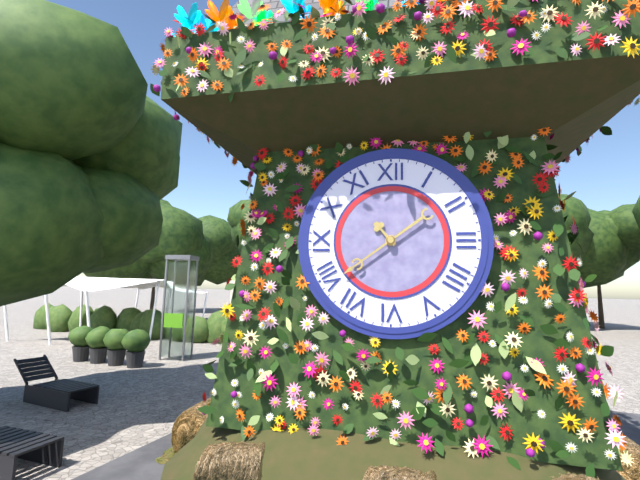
10:39
